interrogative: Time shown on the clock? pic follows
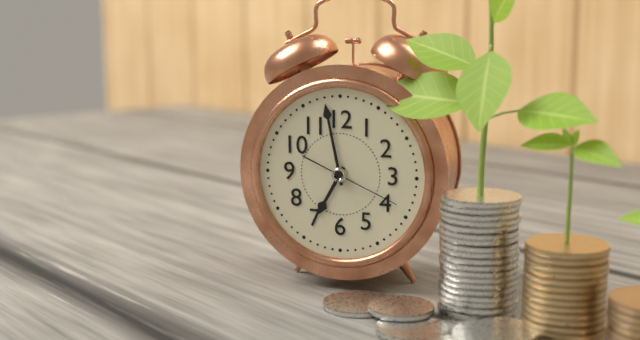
6:58:19
